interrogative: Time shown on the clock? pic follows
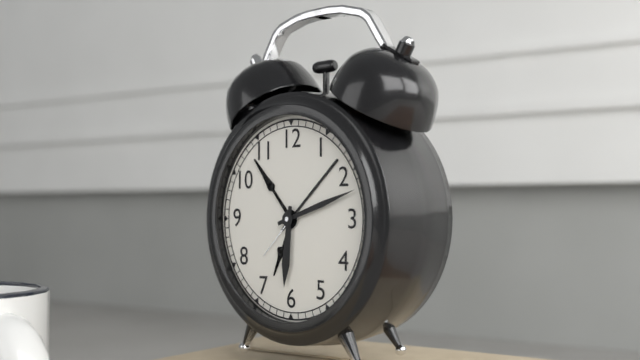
6:12
